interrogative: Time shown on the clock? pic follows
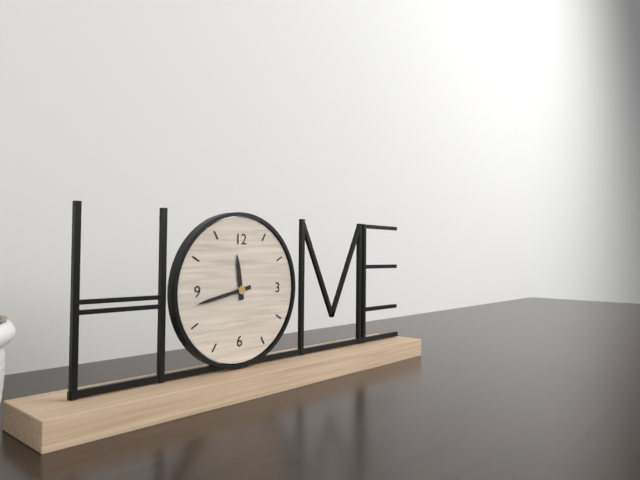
11:43
